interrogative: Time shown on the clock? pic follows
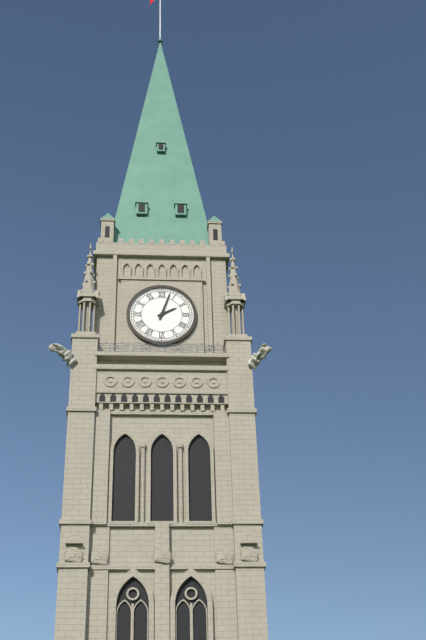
2:03
